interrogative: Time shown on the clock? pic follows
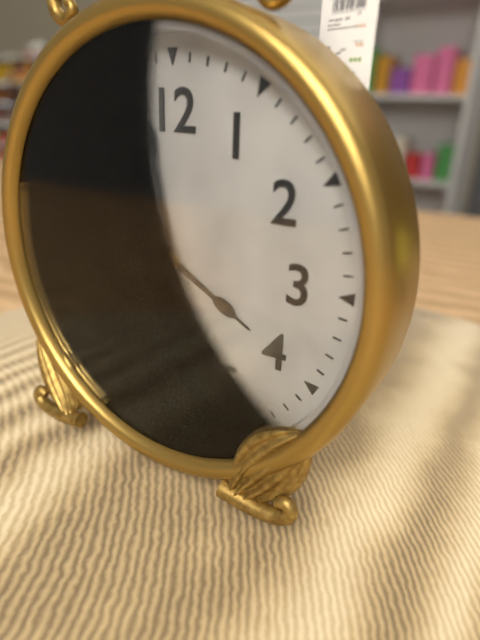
3:58
